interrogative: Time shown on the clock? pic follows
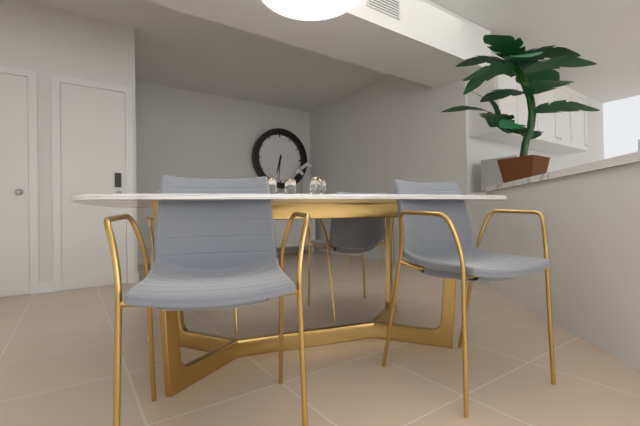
6:31
